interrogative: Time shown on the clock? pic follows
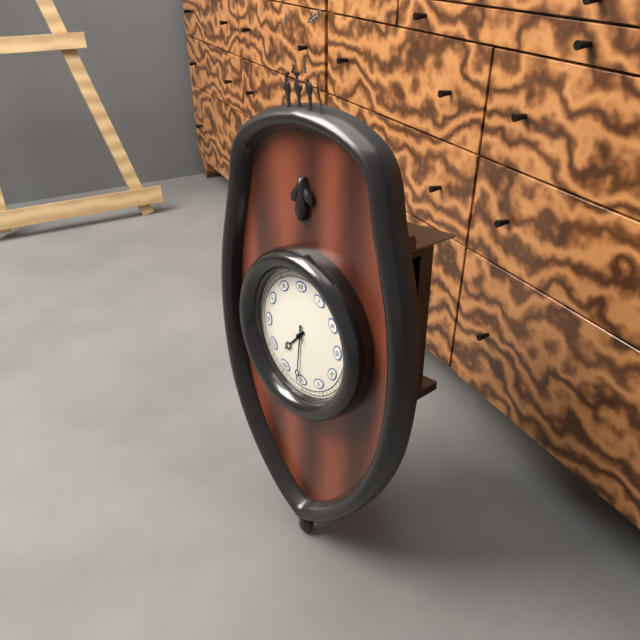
7:31
